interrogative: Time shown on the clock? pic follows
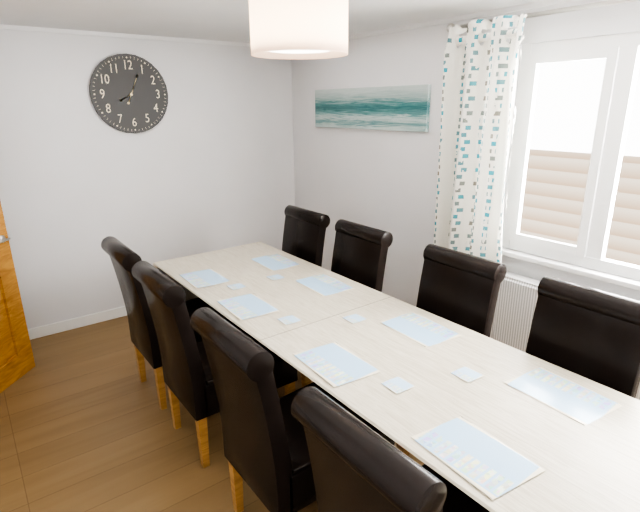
8:04
